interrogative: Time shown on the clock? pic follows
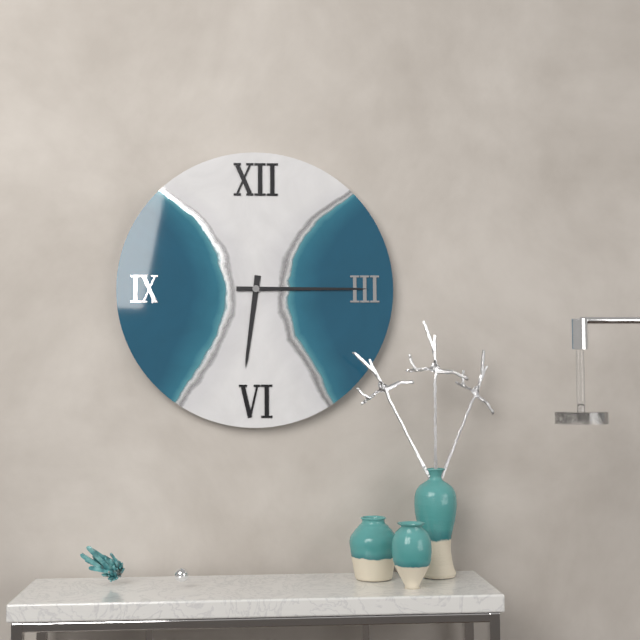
6:15
